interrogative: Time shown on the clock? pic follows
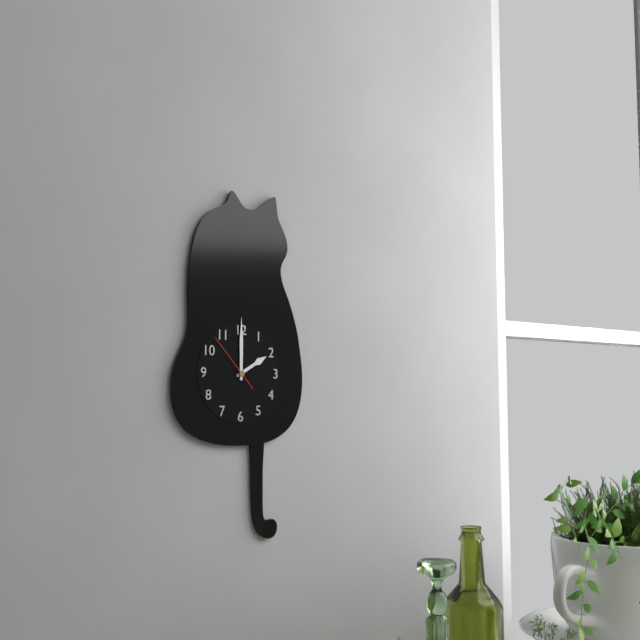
2:00:53
